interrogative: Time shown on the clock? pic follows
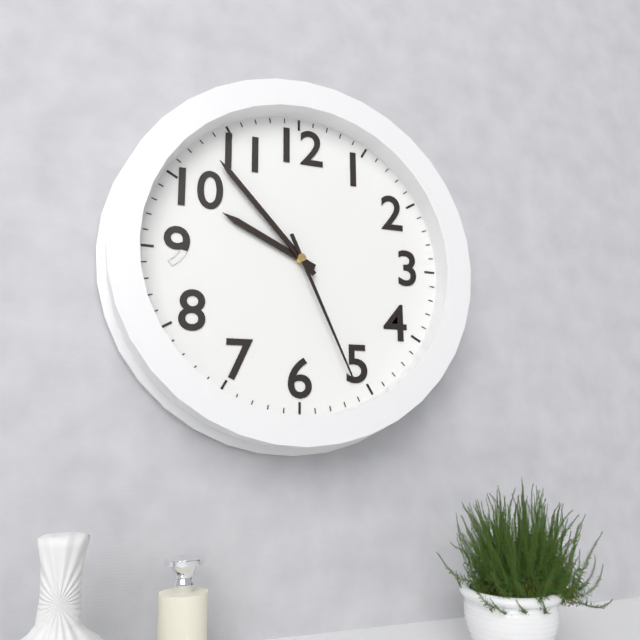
9:53:26
